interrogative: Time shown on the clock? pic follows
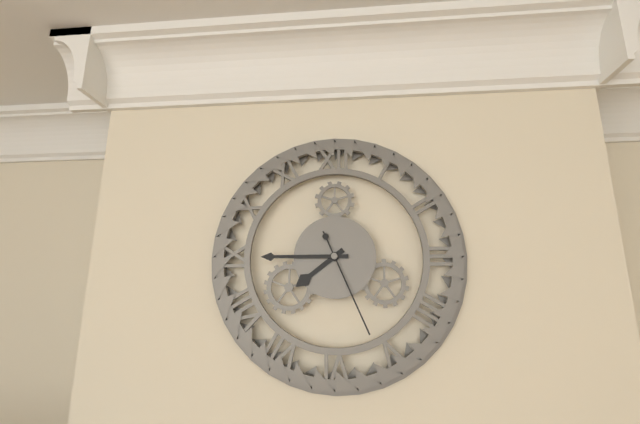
7:45:26
